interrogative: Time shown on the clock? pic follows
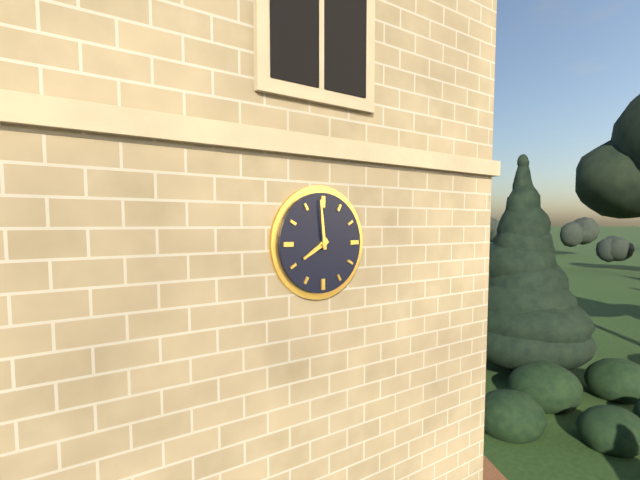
7:59
